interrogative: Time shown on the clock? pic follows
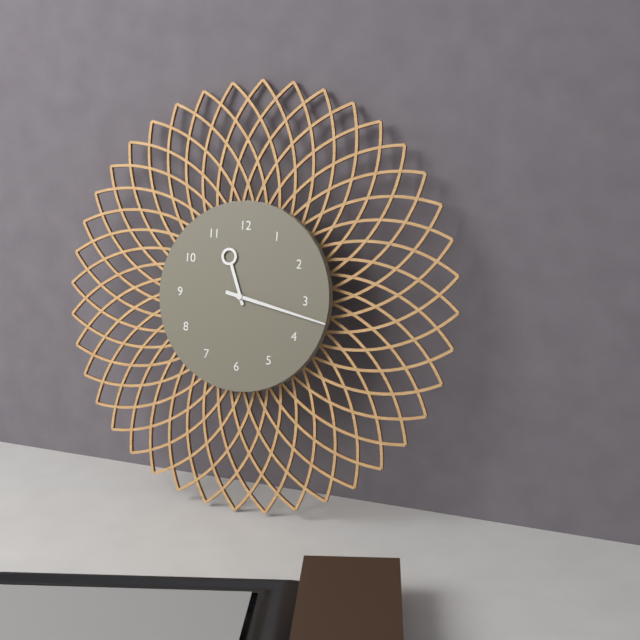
11:17
